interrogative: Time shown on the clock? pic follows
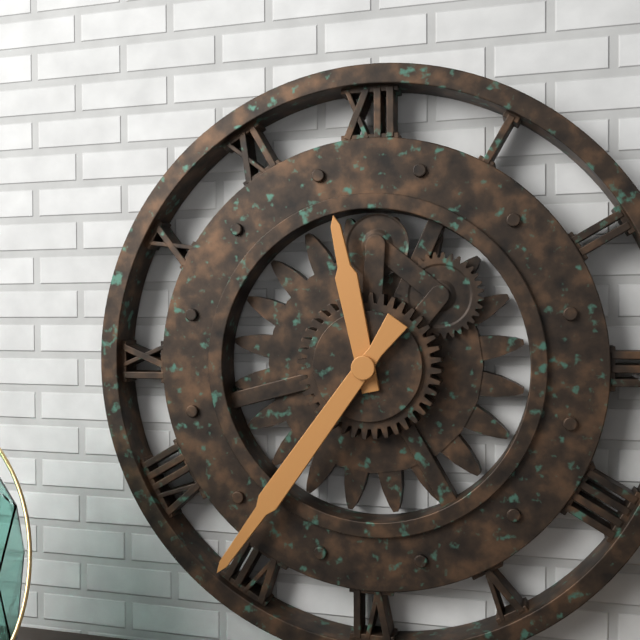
11:36
